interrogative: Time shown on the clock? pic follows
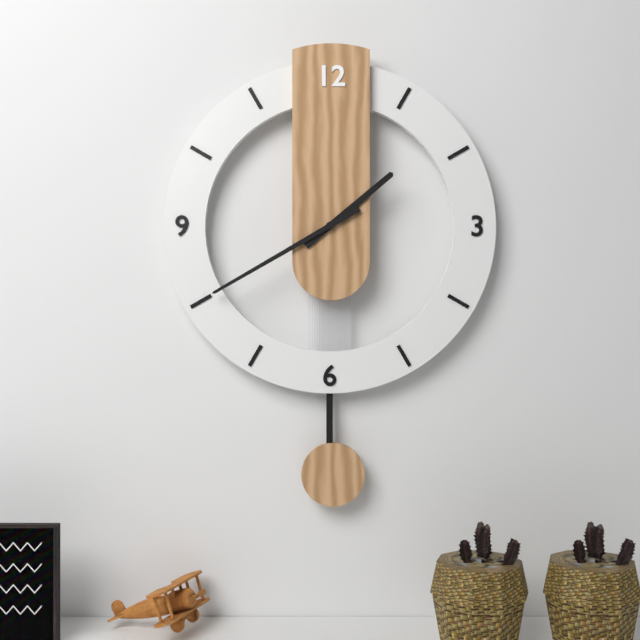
1:40
